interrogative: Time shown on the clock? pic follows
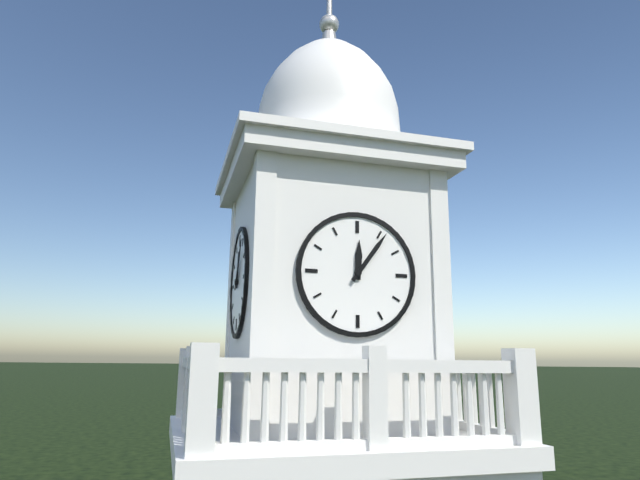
12:06
